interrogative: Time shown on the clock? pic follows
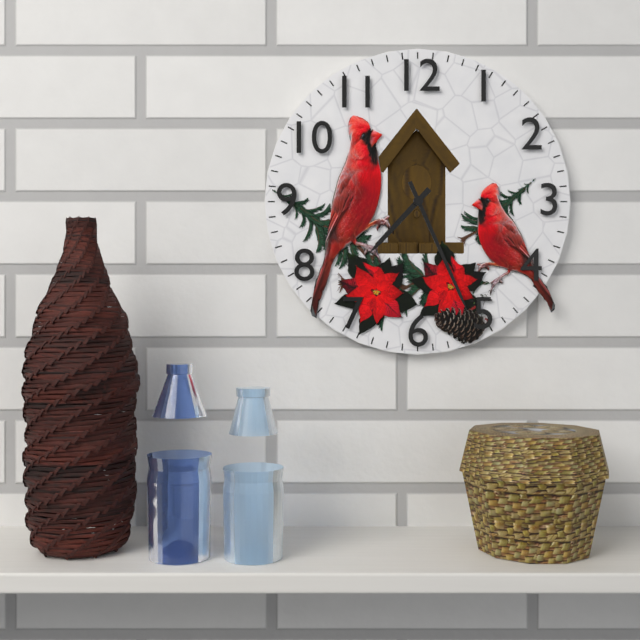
7:26
